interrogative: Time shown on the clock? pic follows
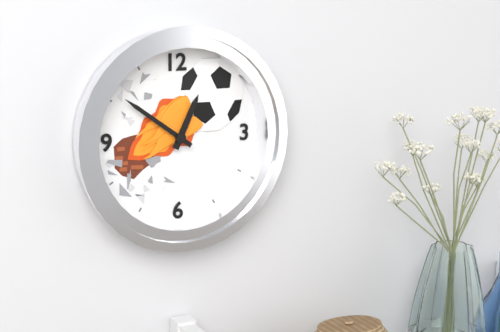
12:51
